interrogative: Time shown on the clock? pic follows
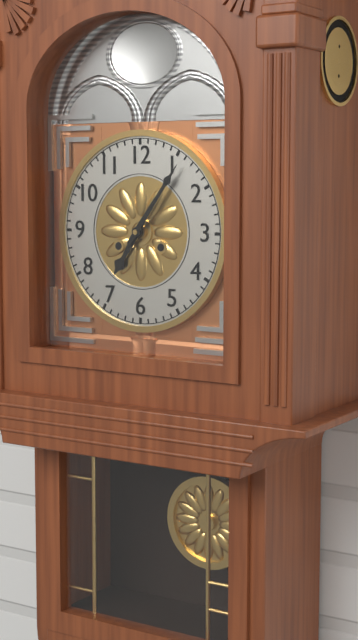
7:06
